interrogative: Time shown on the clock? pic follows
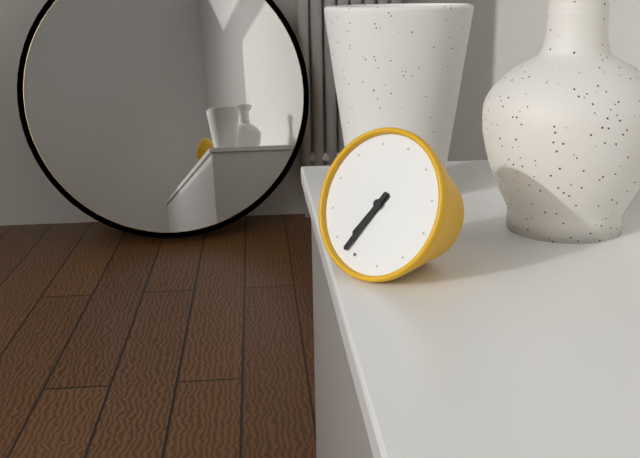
6:32
